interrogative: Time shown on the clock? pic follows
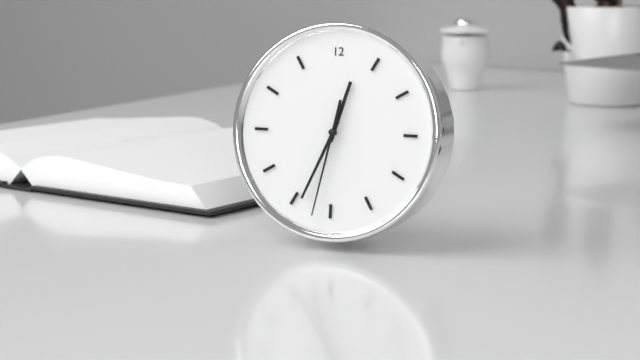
12:34:32
